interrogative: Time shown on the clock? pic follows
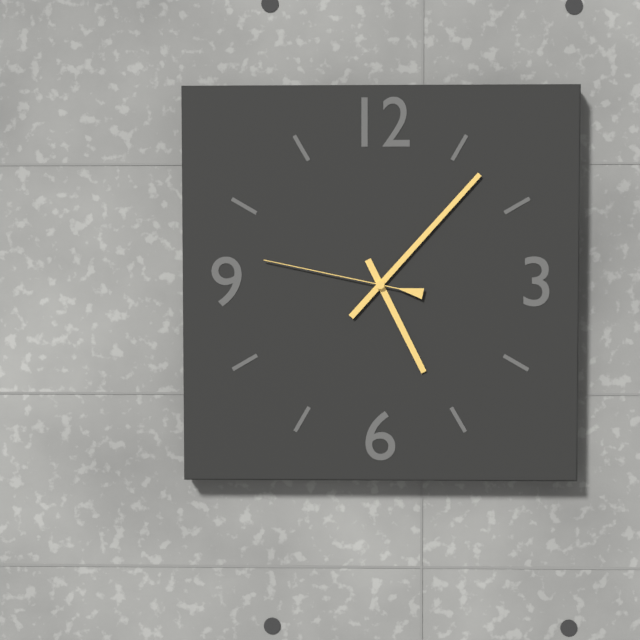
5:07:47
